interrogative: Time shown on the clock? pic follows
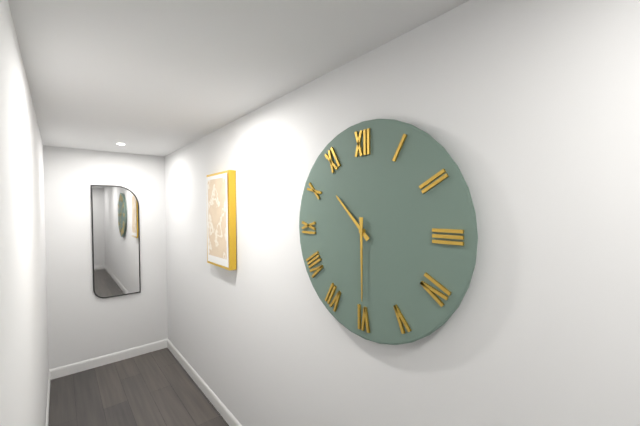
10:30
